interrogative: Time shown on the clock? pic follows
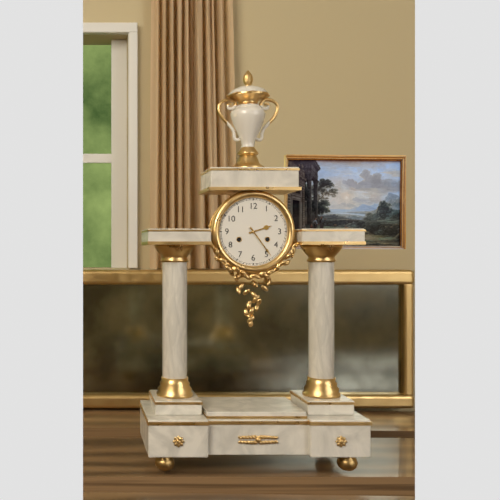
2:24
